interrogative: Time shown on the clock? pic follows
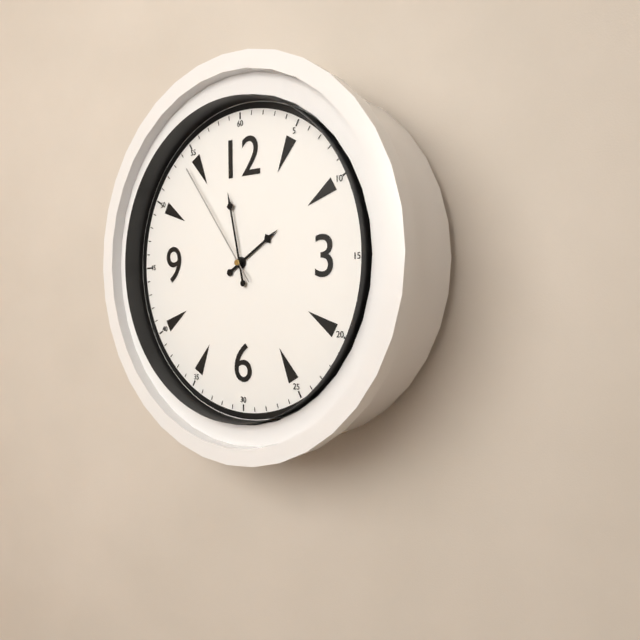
1:58:54
